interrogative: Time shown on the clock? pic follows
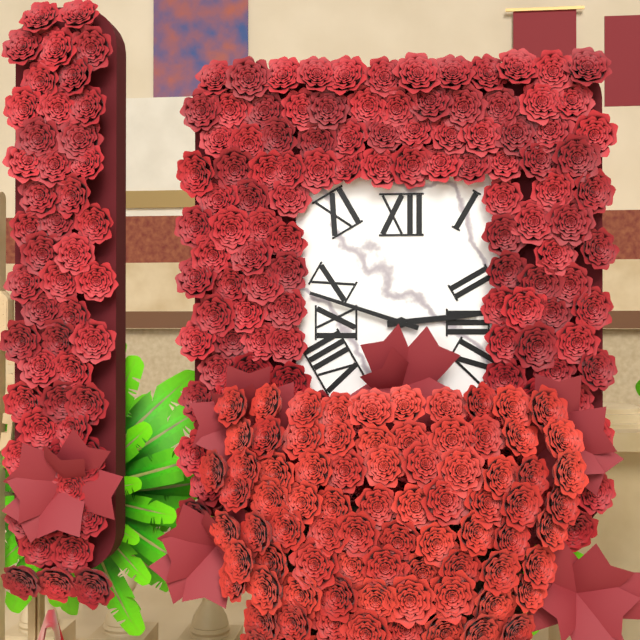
2:48
